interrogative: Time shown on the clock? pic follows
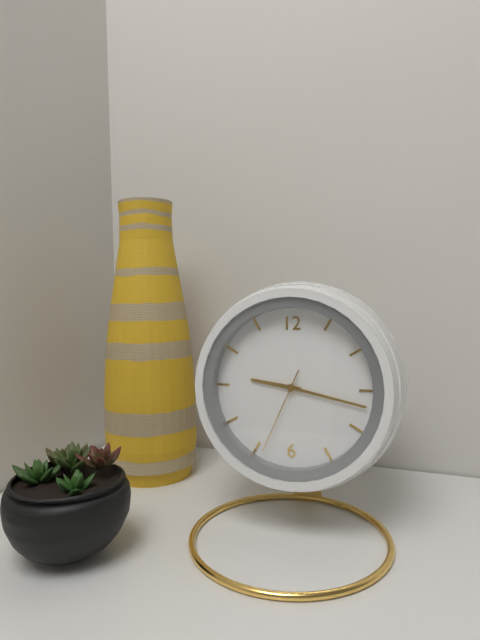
9:17:34
